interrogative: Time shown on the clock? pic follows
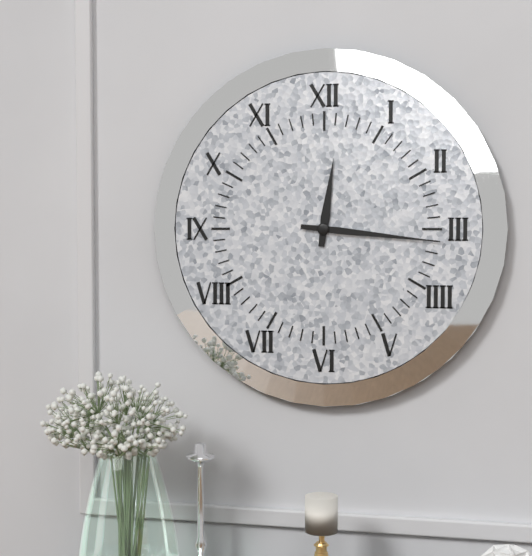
12:16
